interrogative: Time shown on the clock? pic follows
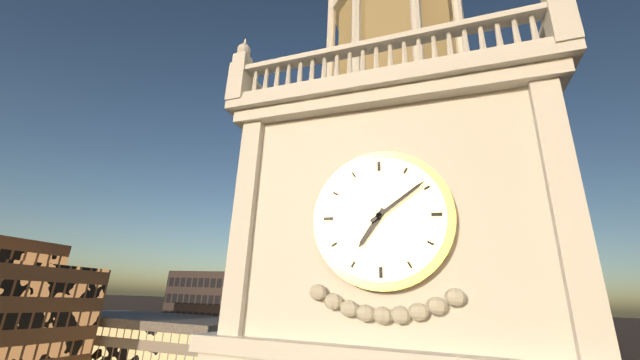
7:09
